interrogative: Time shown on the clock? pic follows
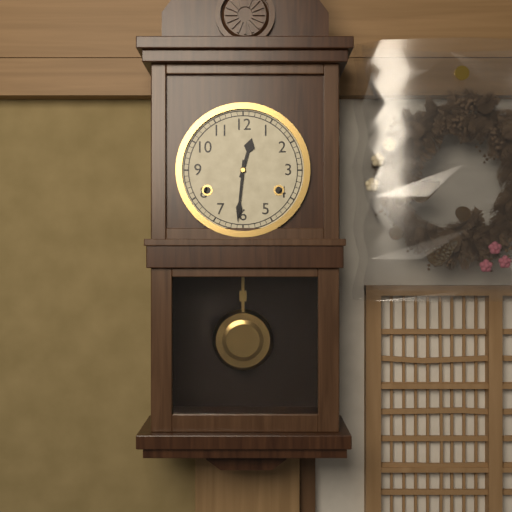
12:31
